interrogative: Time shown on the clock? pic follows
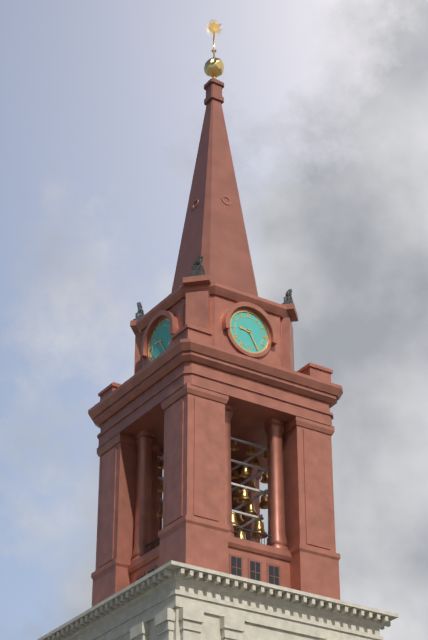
9:25
